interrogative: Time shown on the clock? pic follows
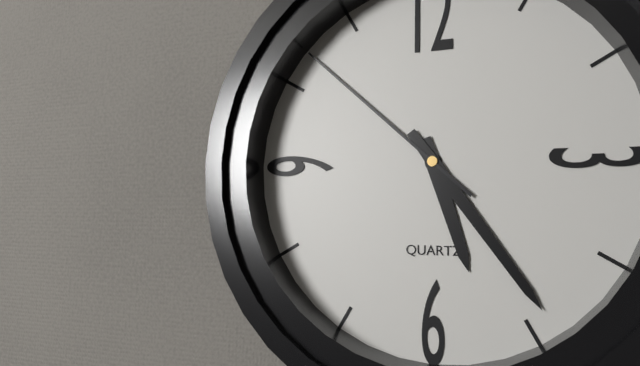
5:24:52
